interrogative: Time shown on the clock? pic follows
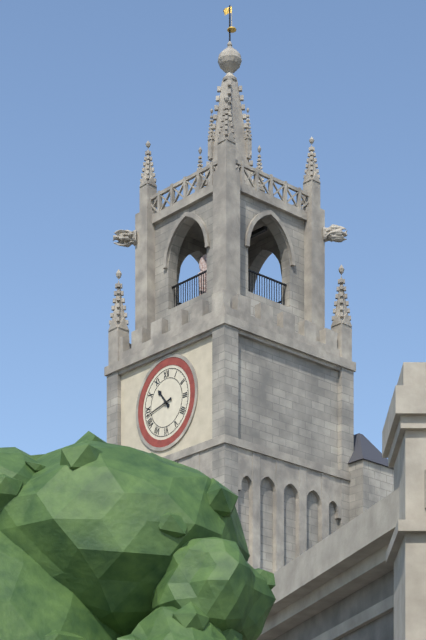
10:43
